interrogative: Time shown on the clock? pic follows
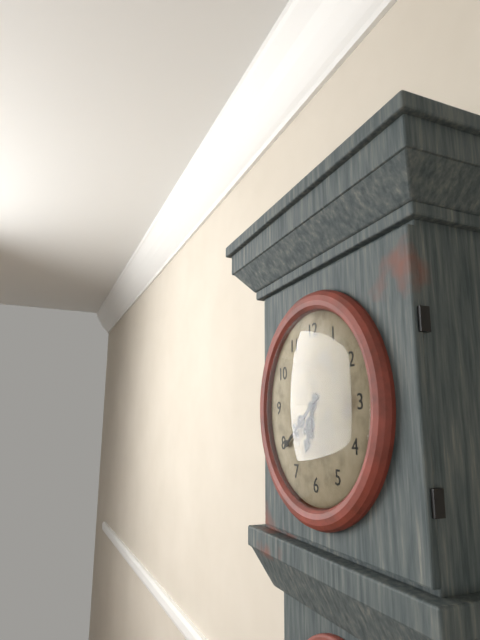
6:39
